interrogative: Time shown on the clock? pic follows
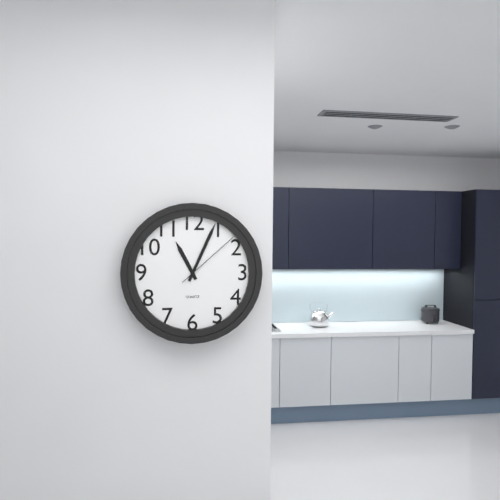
11:04:08
